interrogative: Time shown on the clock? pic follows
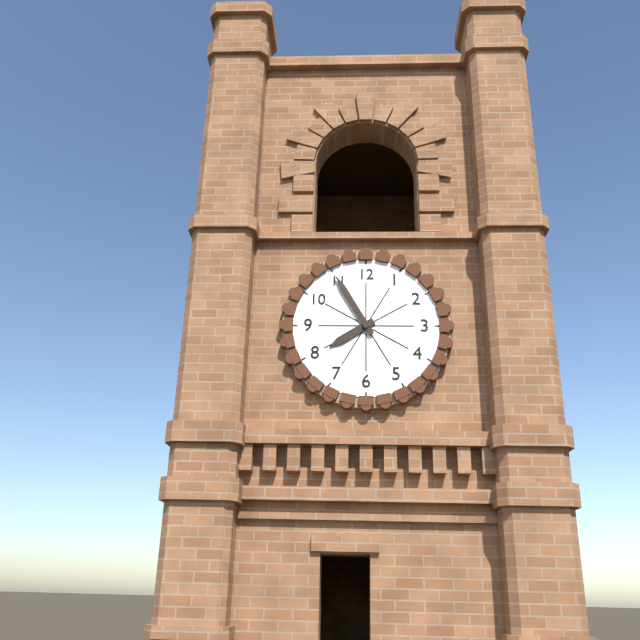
7:55
